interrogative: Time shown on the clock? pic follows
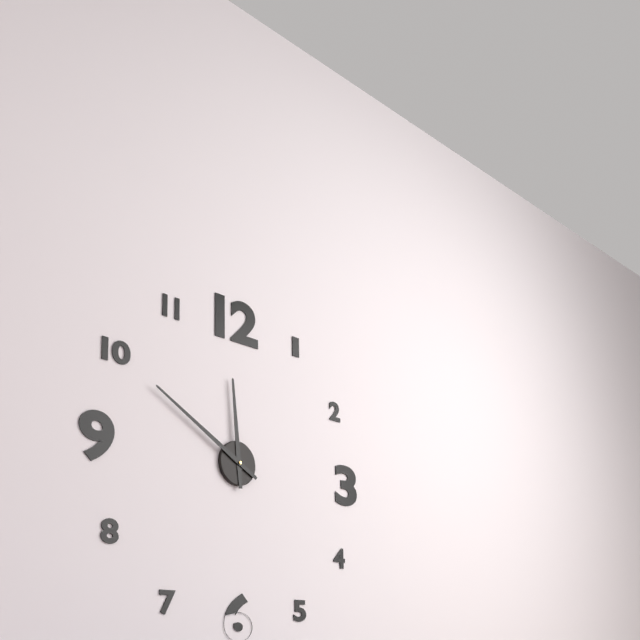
11:50
